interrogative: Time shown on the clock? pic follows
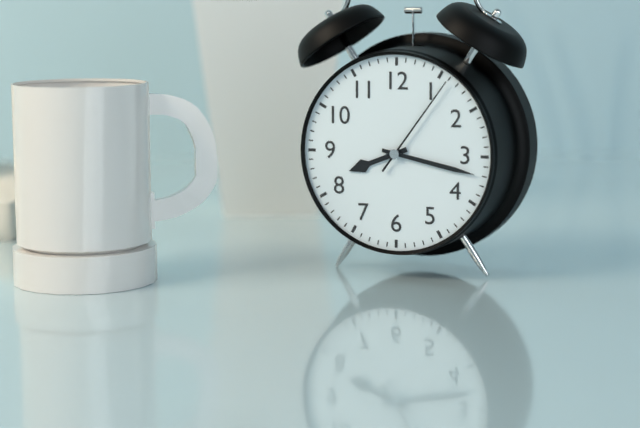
8:17:06
